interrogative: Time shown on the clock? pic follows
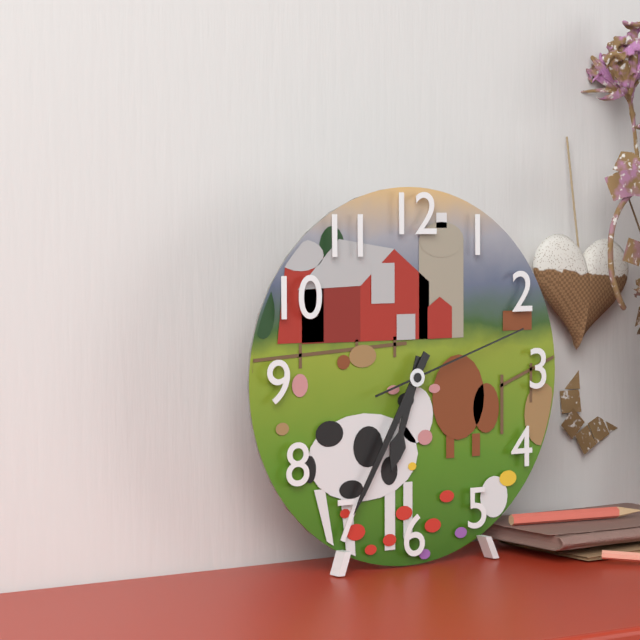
6:35:12
